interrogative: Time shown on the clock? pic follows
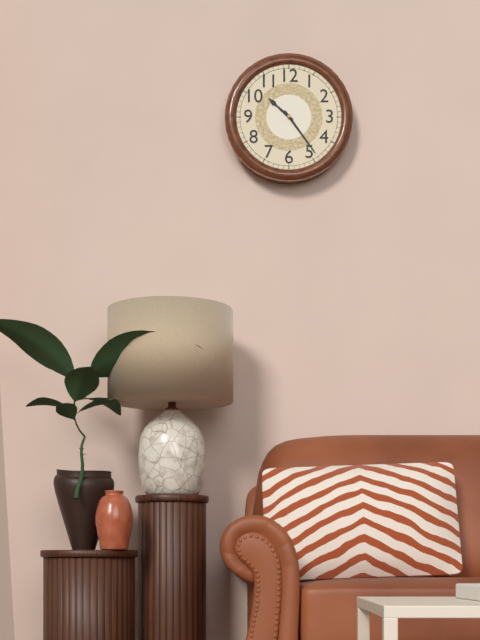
10:24
